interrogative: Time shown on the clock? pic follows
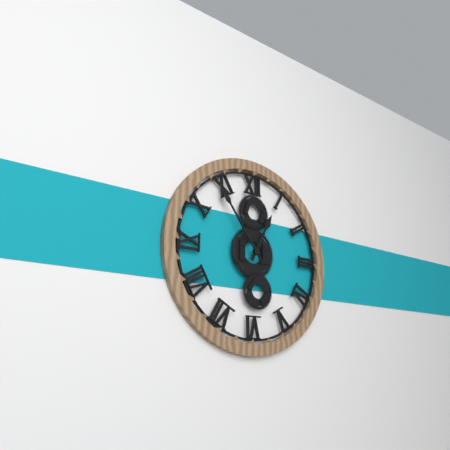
12:54
